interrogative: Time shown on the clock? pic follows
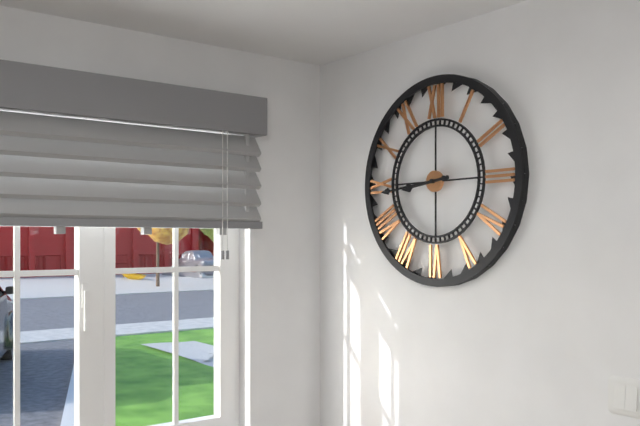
8:44
